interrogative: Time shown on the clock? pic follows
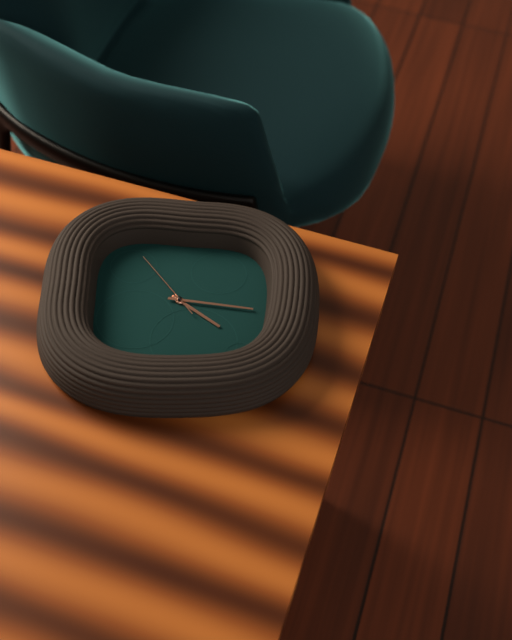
4:16:54
